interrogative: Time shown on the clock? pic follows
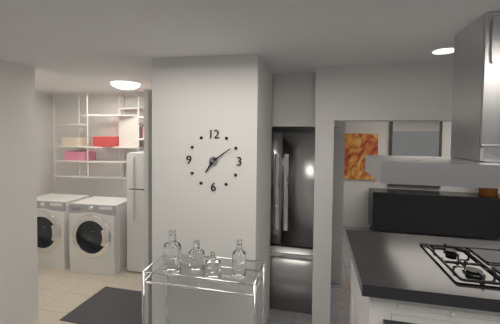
7:09
